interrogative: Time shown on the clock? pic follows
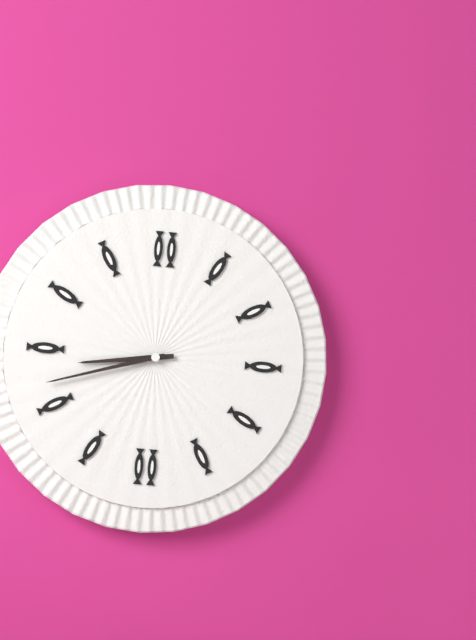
8:42
